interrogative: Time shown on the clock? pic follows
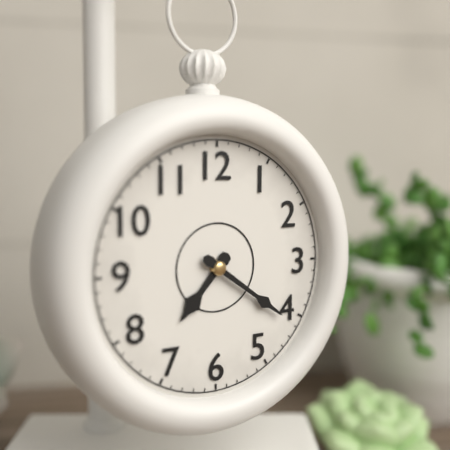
7:21
